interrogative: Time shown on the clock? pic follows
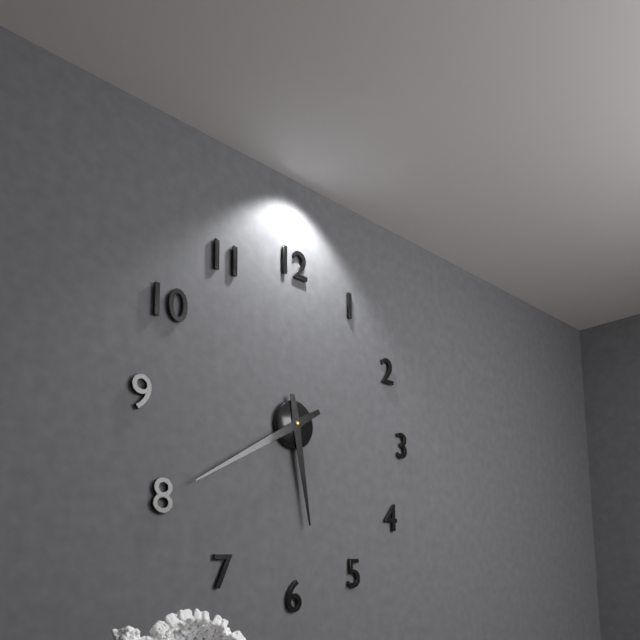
5:40
